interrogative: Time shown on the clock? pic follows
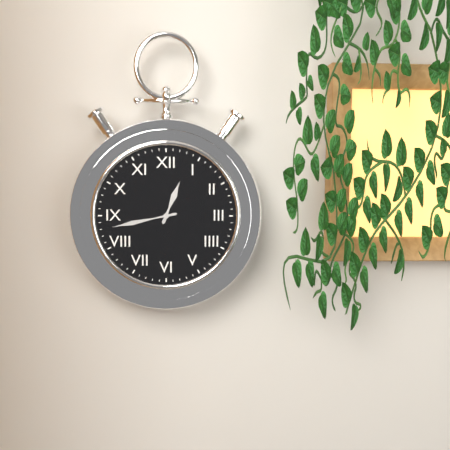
12:43
